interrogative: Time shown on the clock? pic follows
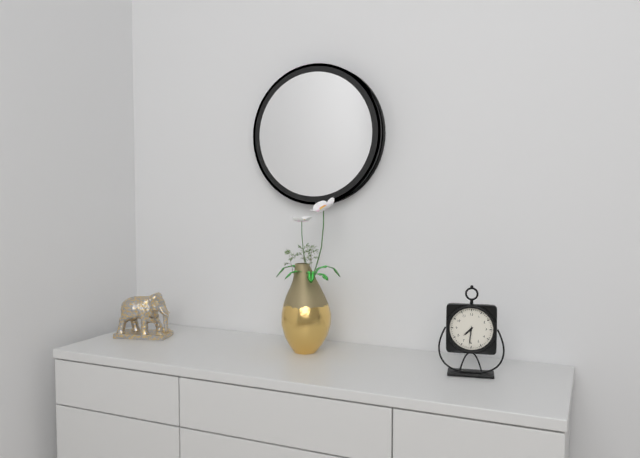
7:31
